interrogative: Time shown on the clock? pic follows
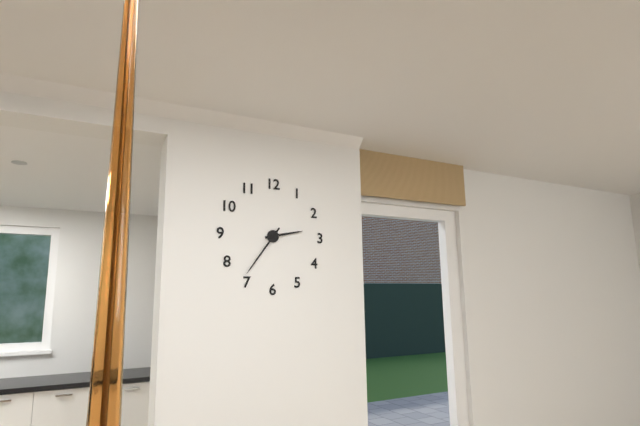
2:36
